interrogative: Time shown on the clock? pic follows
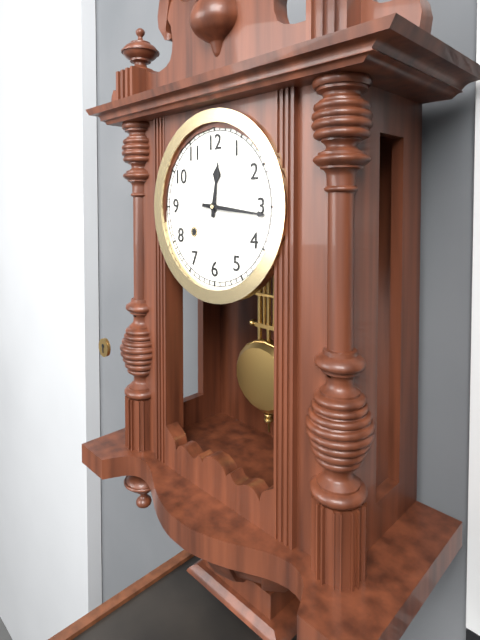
12:16
